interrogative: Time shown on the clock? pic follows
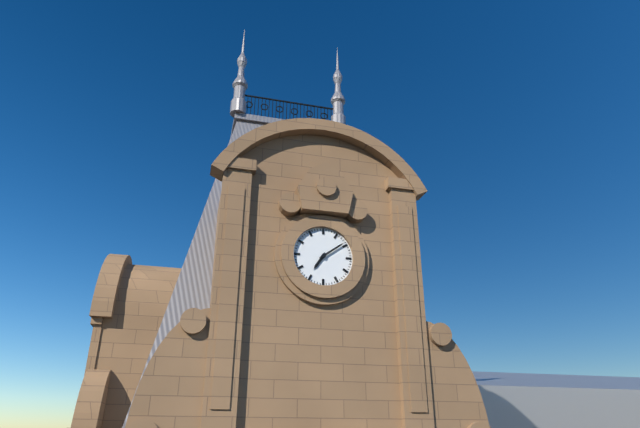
7:09
